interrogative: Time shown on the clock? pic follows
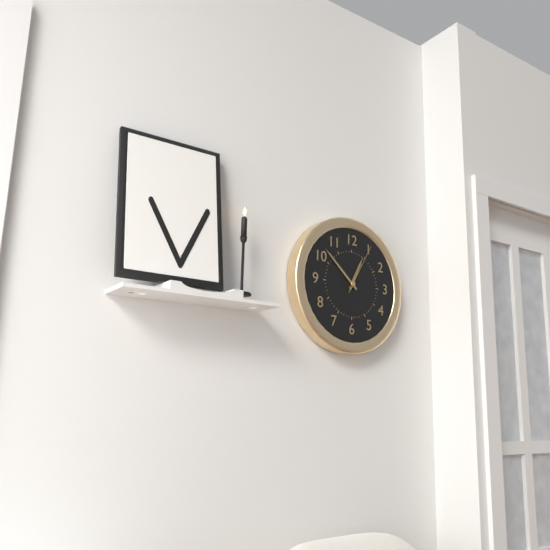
12:52:05
